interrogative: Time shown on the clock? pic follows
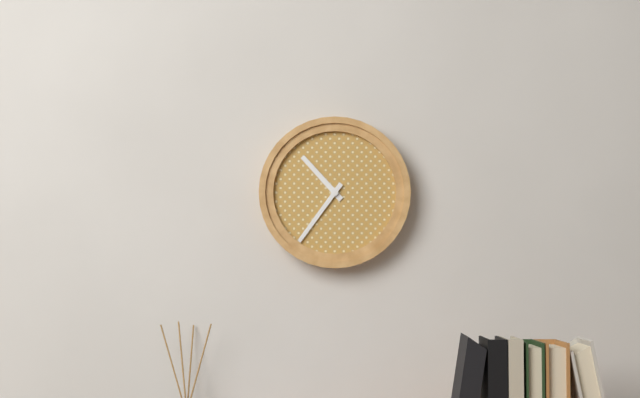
10:36
